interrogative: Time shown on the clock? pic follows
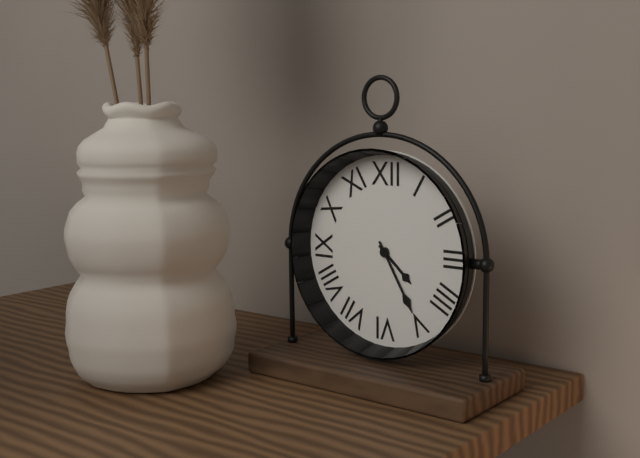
4:25
